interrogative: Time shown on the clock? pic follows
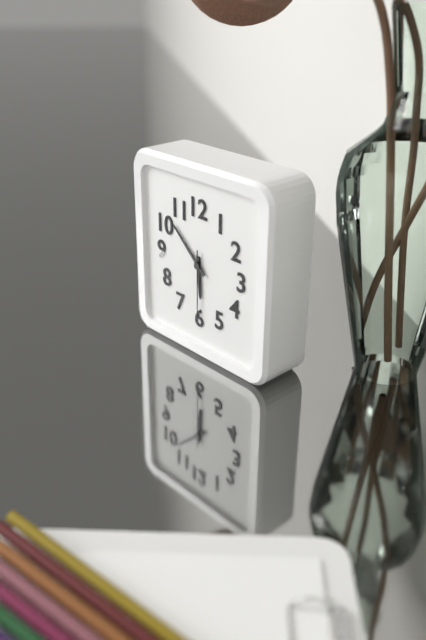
5:52:30
